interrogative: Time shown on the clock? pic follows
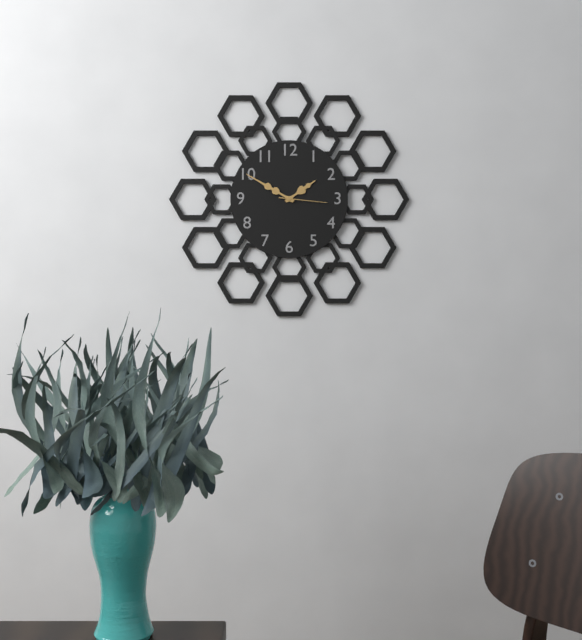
1:50
